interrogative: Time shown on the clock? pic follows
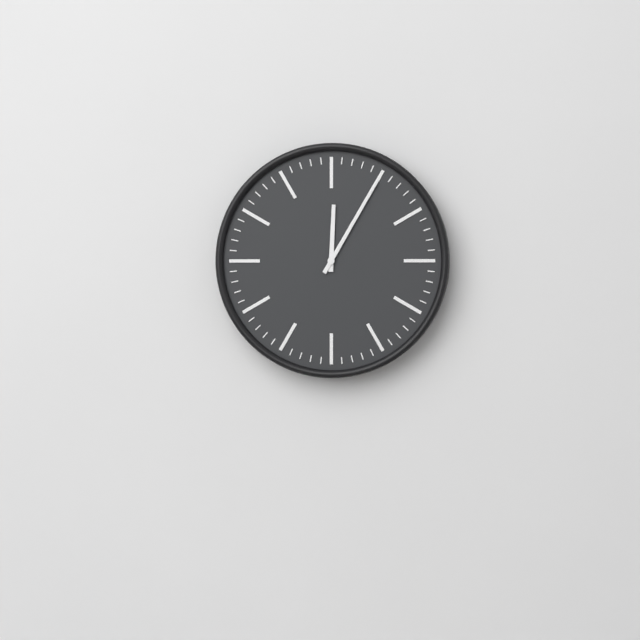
12:05
